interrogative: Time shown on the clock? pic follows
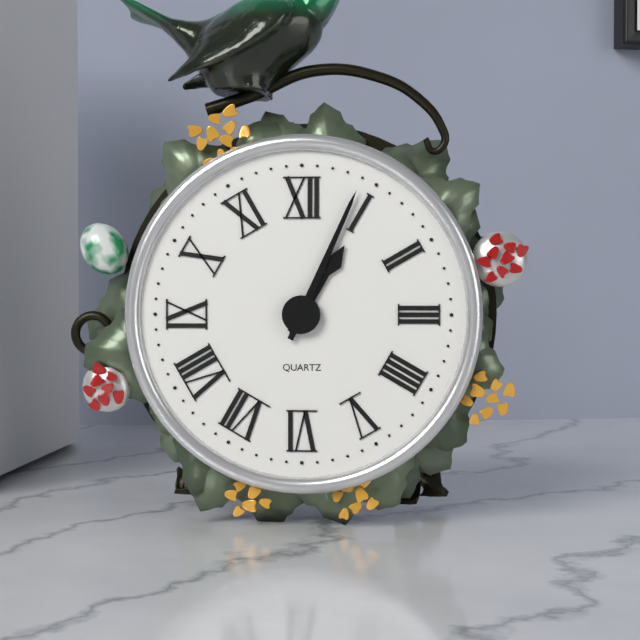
1:04
